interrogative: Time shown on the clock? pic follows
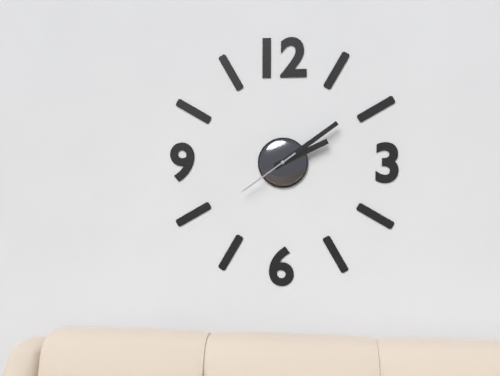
2:09:39
